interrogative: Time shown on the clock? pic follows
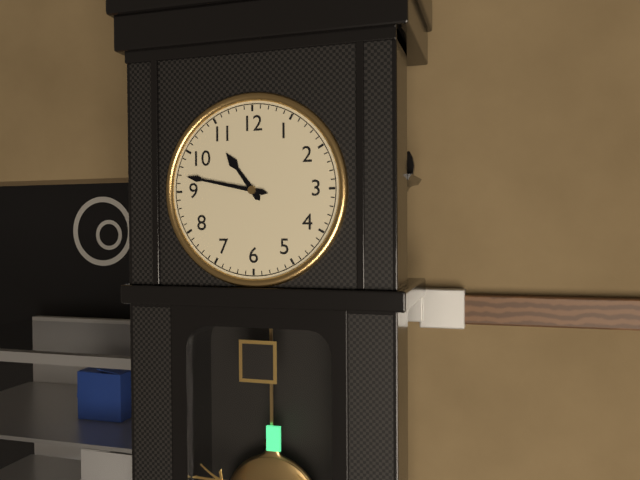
10:47
